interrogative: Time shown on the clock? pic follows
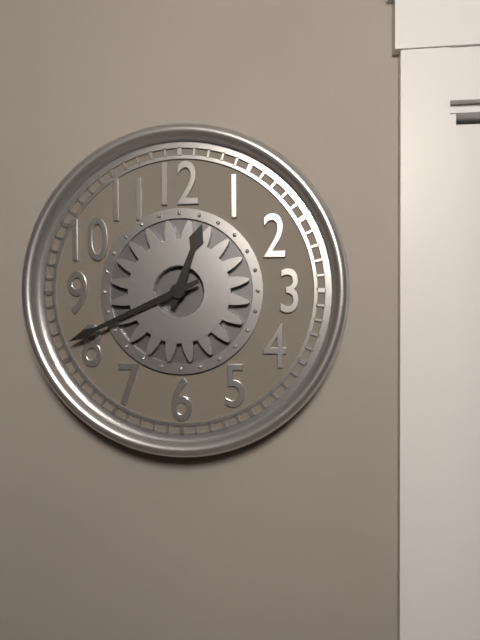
12:41
